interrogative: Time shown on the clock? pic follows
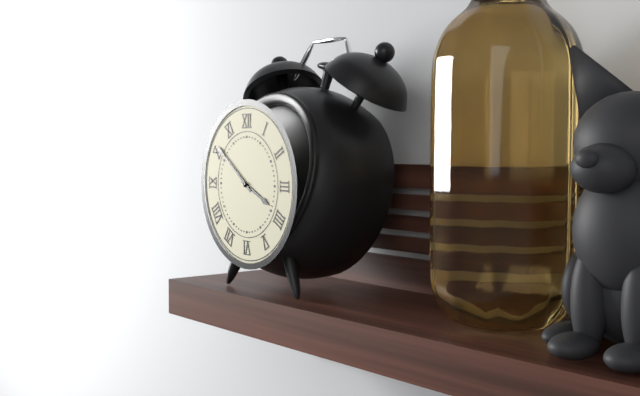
3:51
